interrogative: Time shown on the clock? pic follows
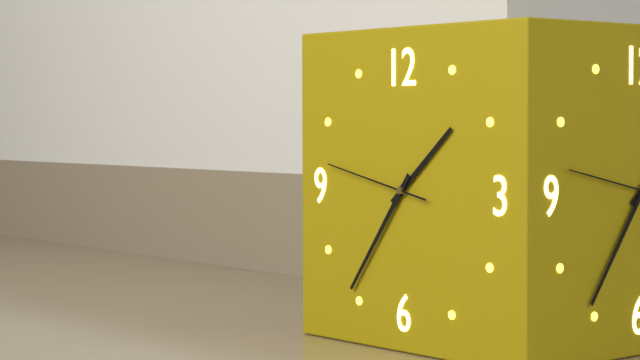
1:36:47
